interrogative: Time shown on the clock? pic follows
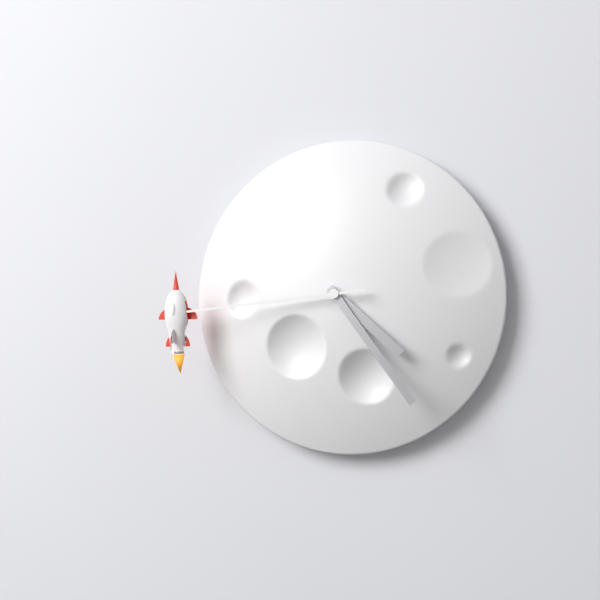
4:24:44
